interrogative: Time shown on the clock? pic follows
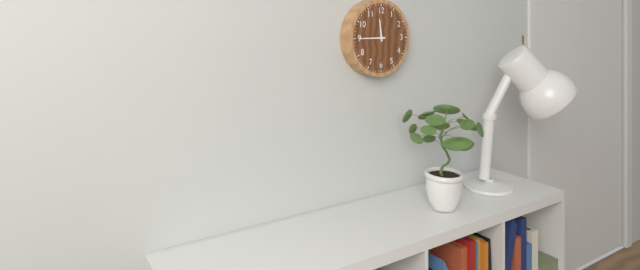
11:45
